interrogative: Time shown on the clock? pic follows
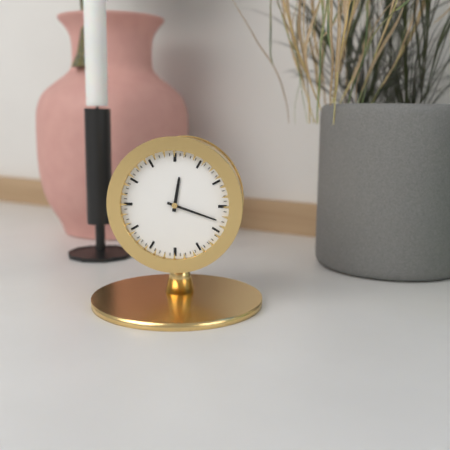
12:18
